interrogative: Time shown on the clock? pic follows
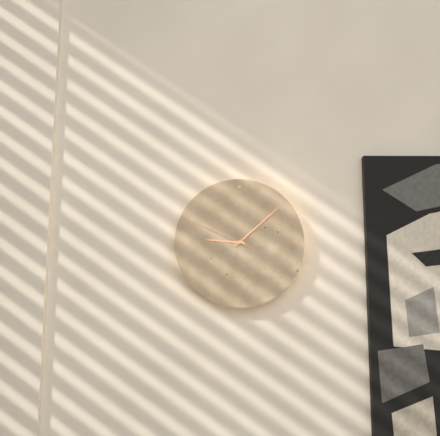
9:08:49
